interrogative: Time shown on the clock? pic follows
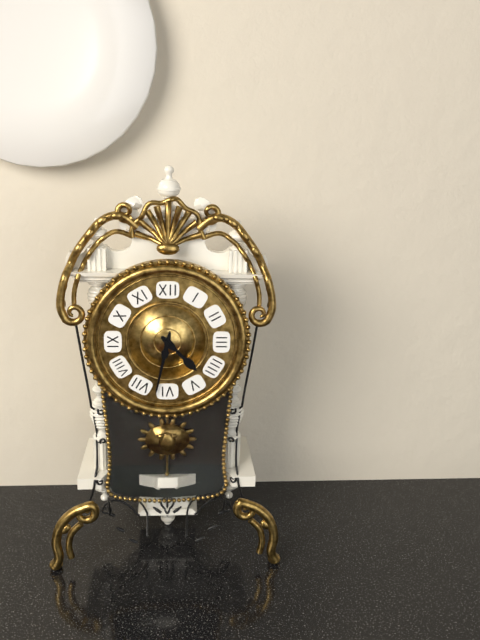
4:32
